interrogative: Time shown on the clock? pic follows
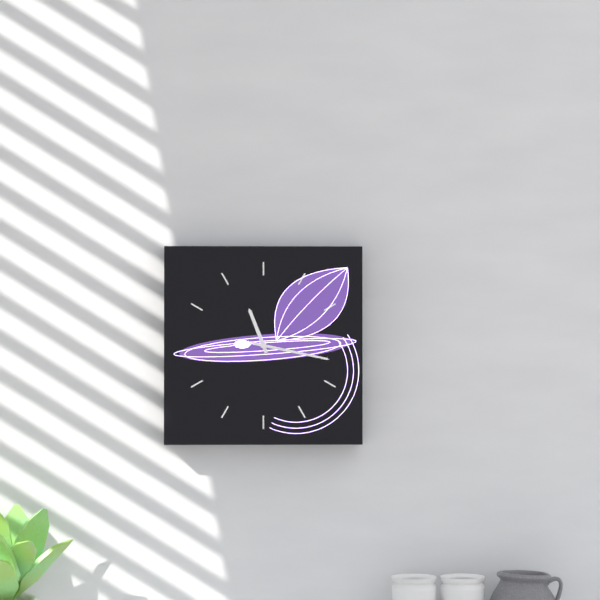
11:17
